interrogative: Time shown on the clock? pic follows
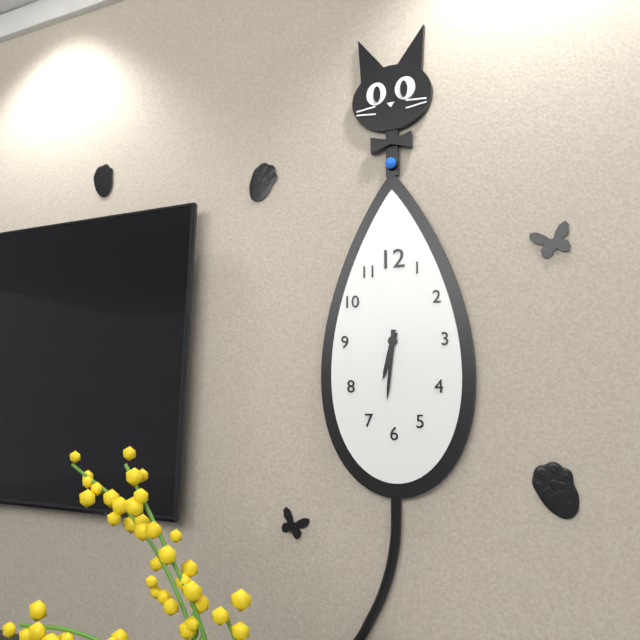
6:31
